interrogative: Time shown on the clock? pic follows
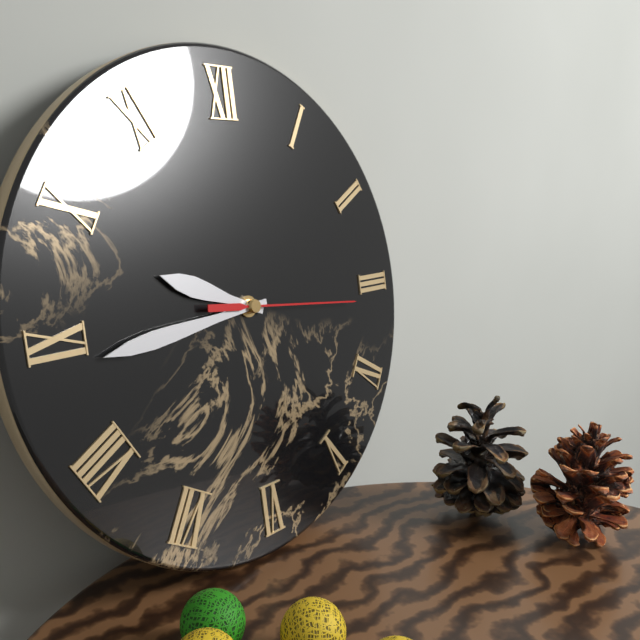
9:44:16
